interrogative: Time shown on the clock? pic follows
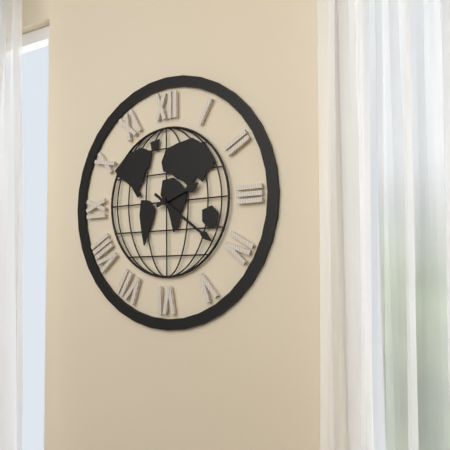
2:21
